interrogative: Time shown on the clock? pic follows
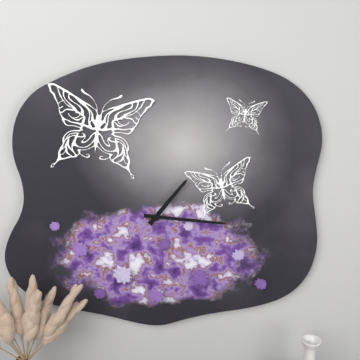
1:16
